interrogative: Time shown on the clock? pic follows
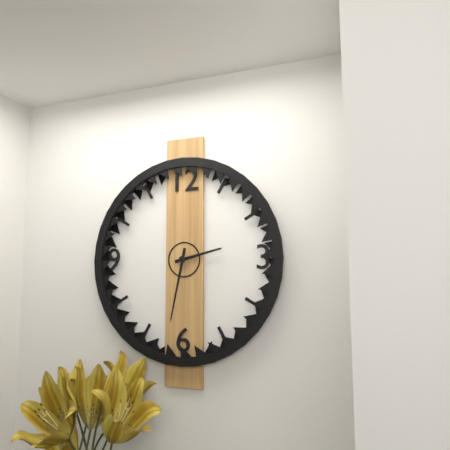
2:32
